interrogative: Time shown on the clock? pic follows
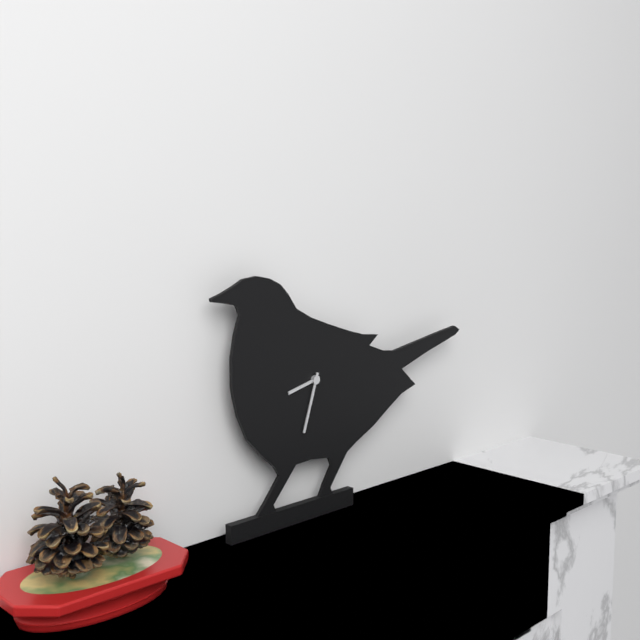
8:33
